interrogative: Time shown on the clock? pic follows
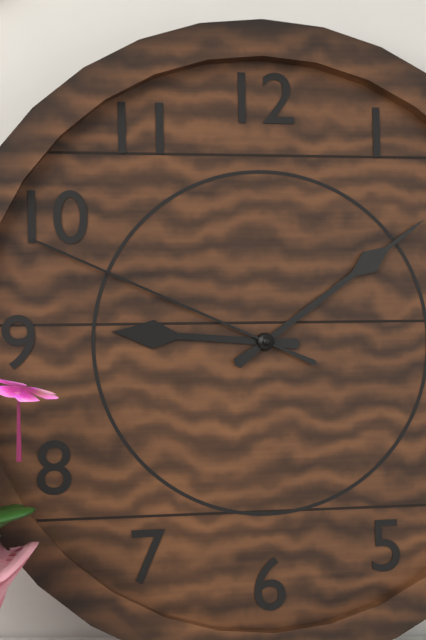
9:09:49
